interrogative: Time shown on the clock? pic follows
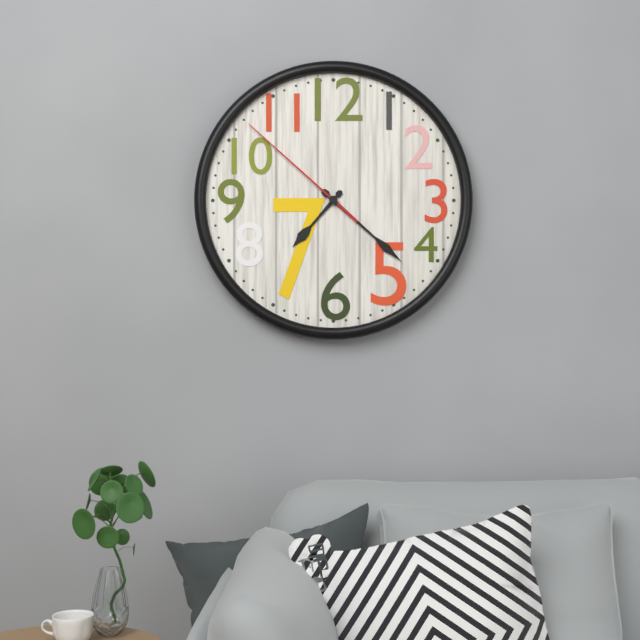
7:22:52
